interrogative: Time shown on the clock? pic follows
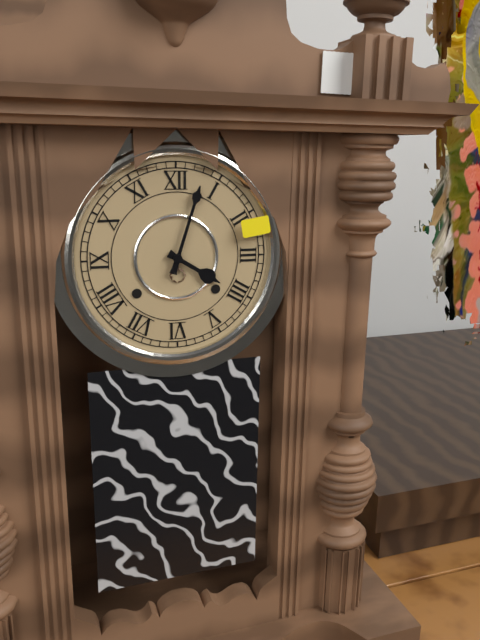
4:03
